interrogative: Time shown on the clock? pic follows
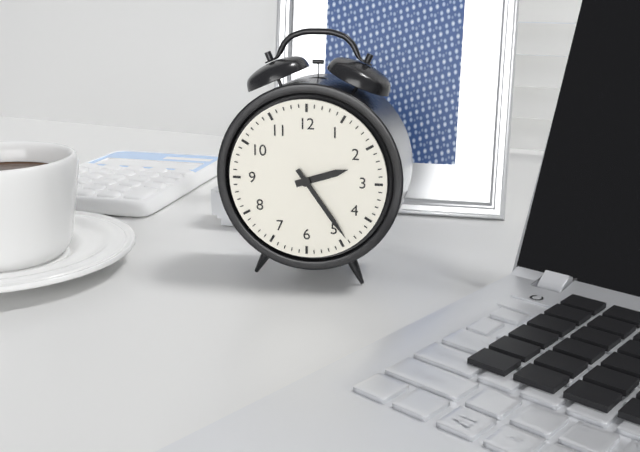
2:24
